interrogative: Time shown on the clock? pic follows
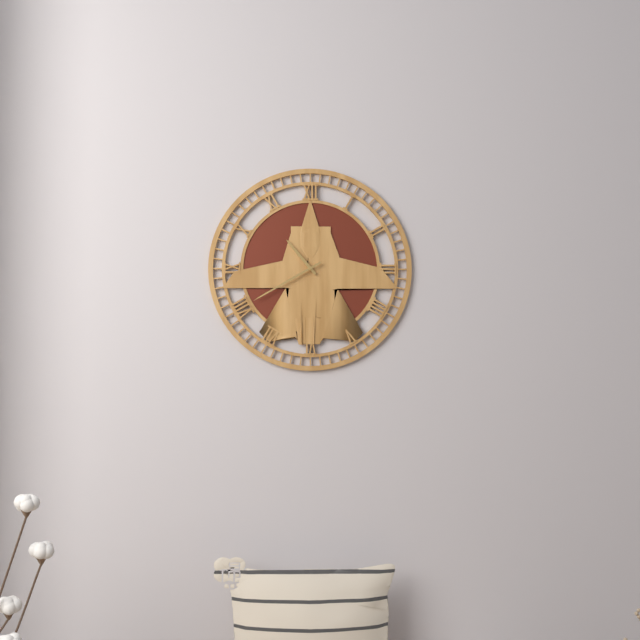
10:40
